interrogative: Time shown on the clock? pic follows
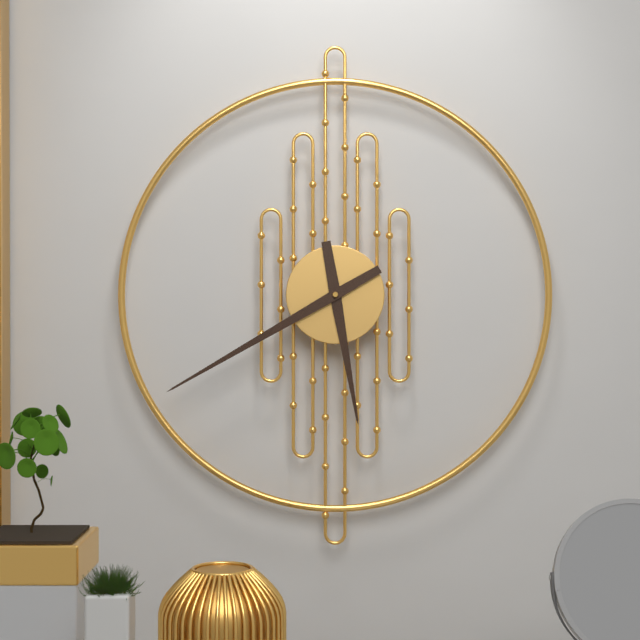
5:40
